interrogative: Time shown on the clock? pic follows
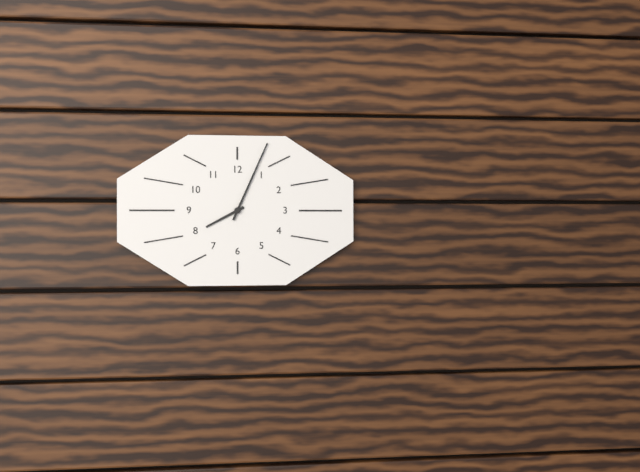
8:04
